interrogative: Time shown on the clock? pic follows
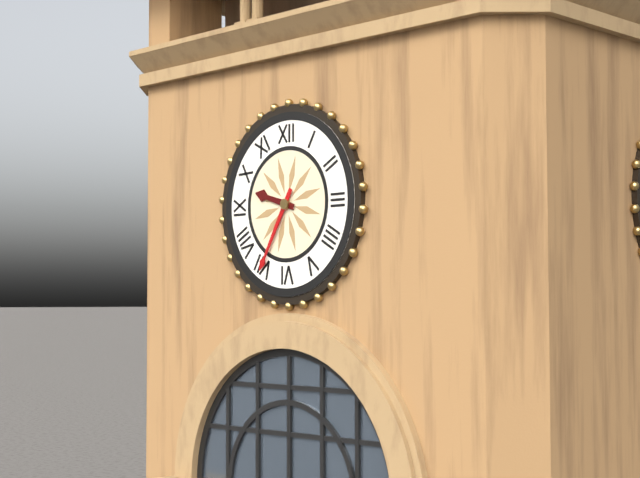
9:35
